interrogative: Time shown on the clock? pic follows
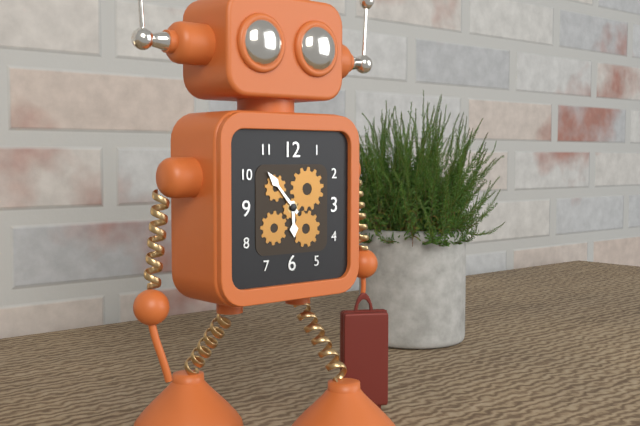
5:53
